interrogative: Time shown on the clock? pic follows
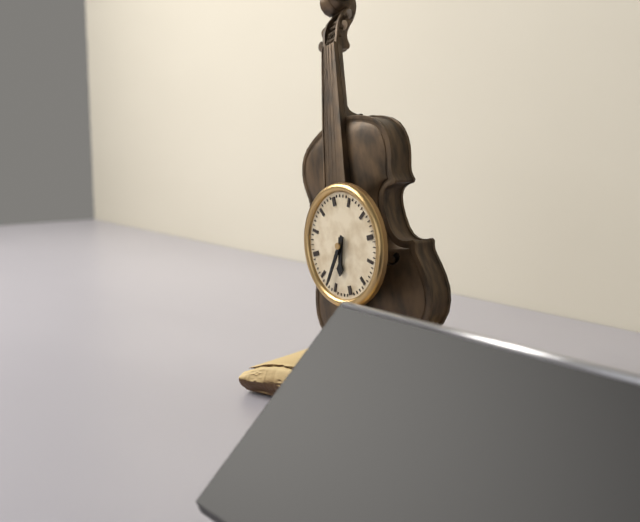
6:37
